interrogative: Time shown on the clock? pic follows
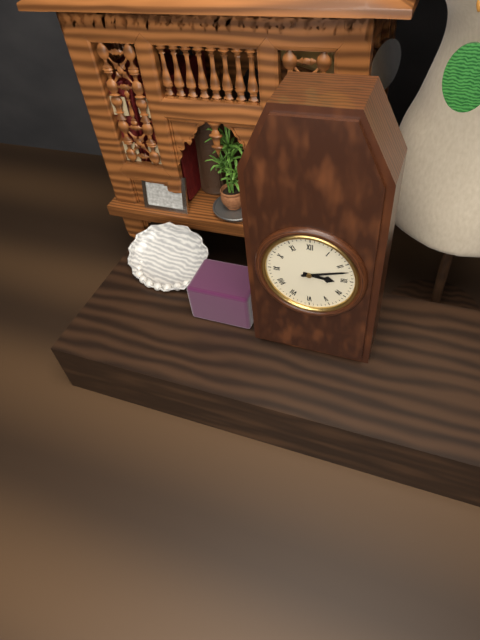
3:12
